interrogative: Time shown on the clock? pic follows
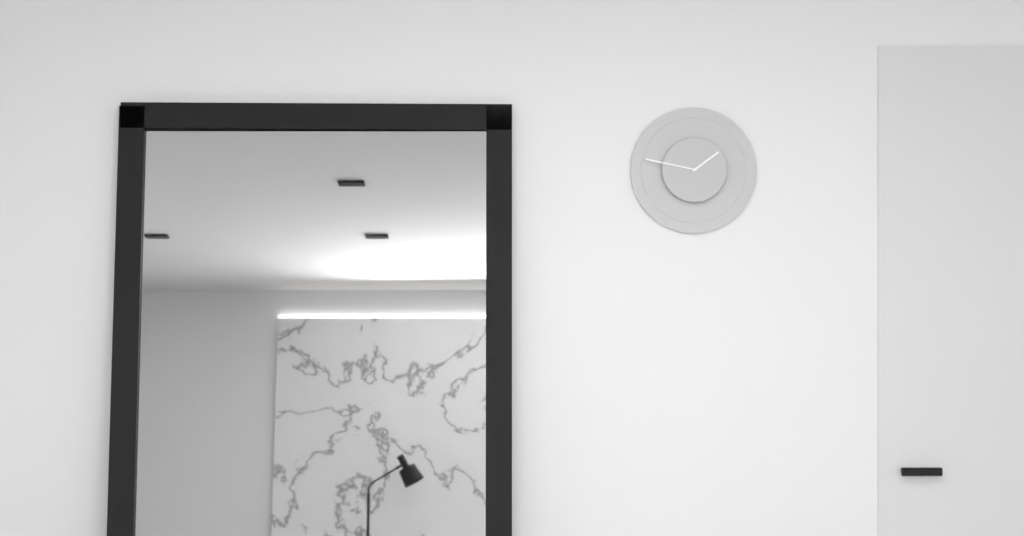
1:47
